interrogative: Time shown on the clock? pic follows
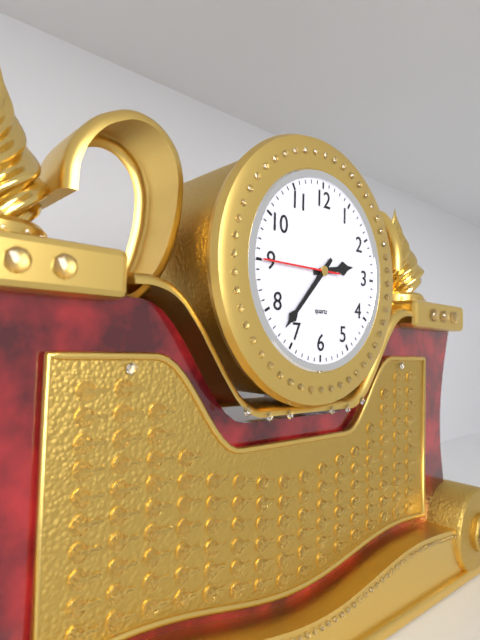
2:37:45
